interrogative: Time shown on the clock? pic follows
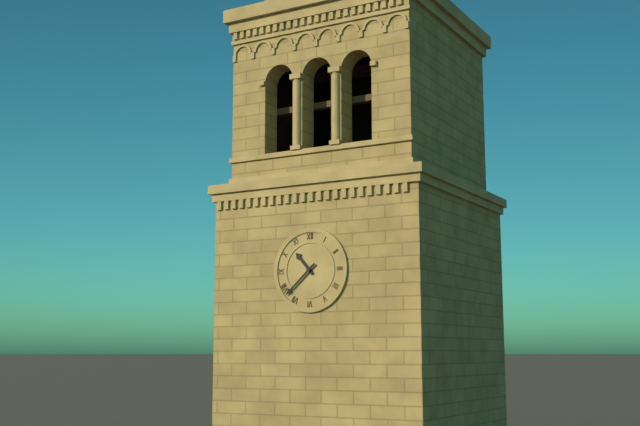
10:38
